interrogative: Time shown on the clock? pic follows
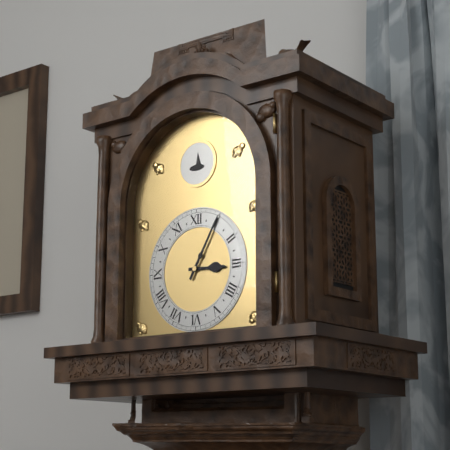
3:05
